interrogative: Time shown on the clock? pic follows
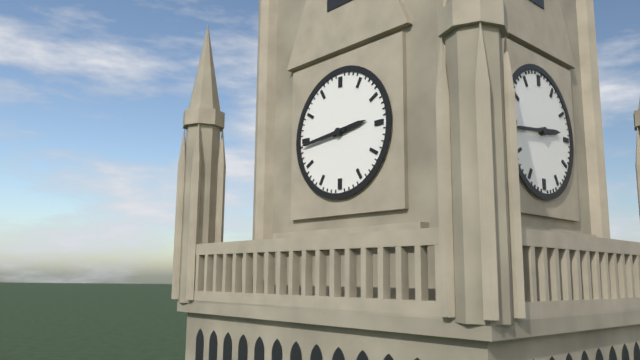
2:44
